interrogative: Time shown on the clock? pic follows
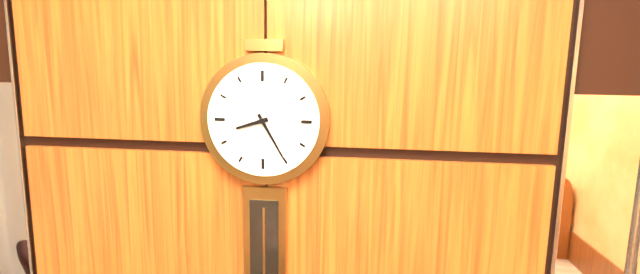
8:25
